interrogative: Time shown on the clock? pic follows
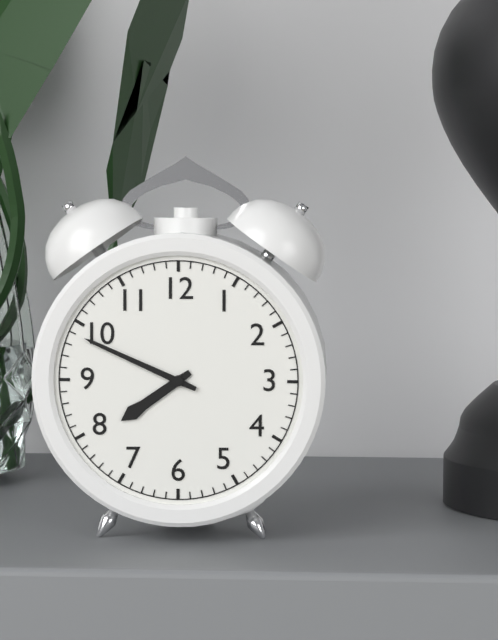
7:49
